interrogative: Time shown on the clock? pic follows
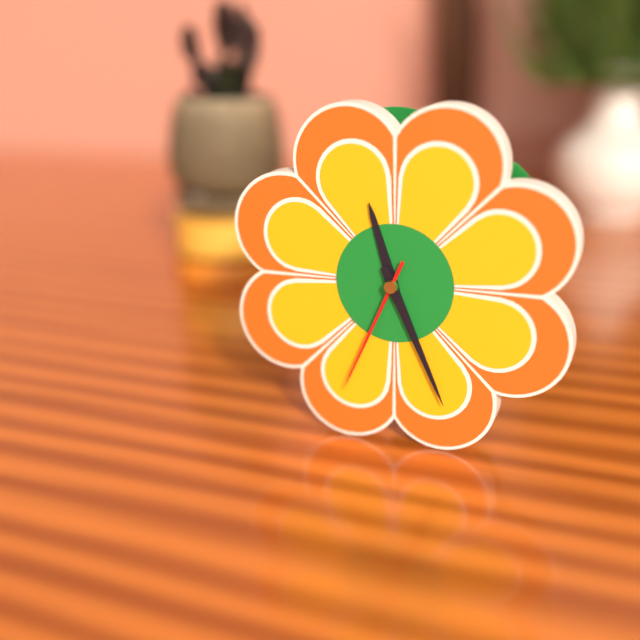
11:26:34
